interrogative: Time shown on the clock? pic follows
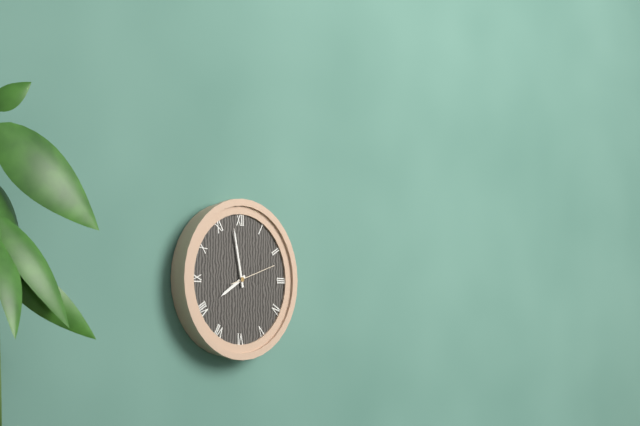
7:58
